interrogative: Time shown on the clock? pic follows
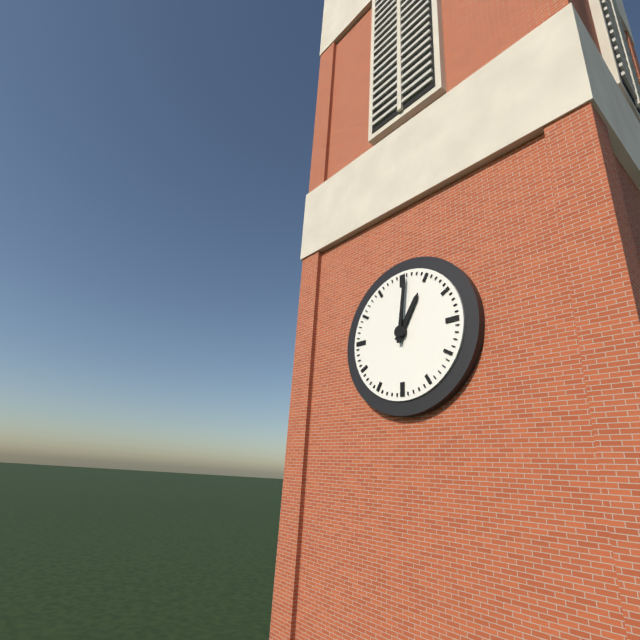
1:01
